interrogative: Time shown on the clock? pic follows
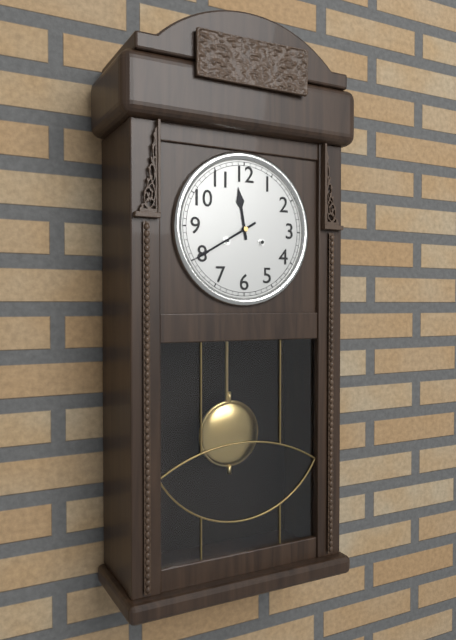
11:40
